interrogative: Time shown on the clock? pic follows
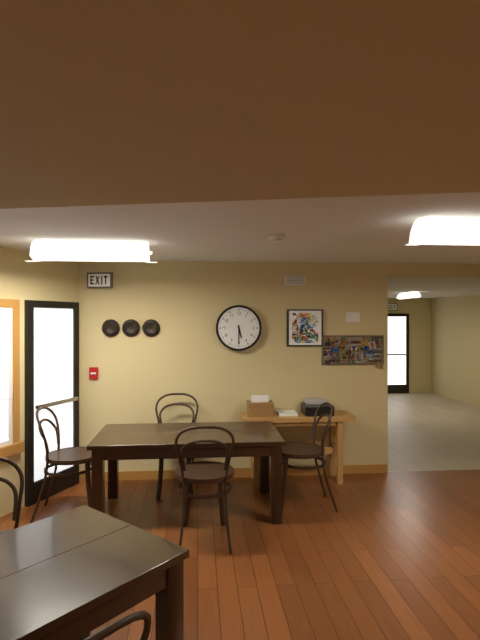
5:30
